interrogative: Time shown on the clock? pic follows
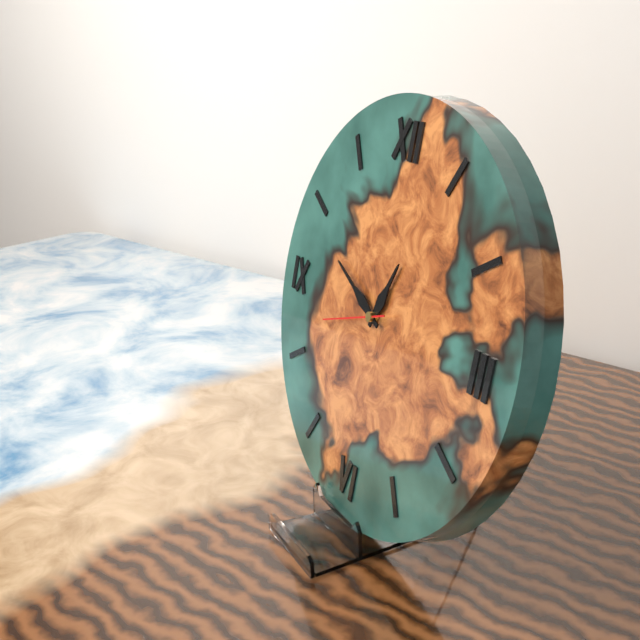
12:49:42
